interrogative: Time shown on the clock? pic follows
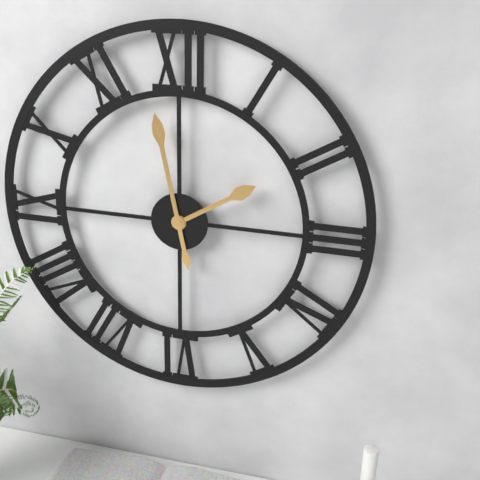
1:58
